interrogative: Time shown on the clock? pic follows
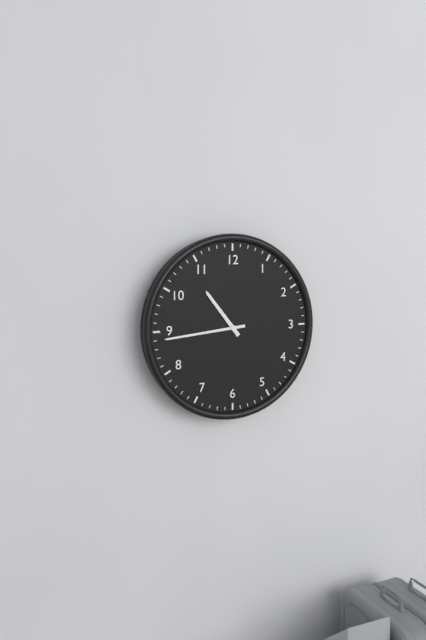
10:44
